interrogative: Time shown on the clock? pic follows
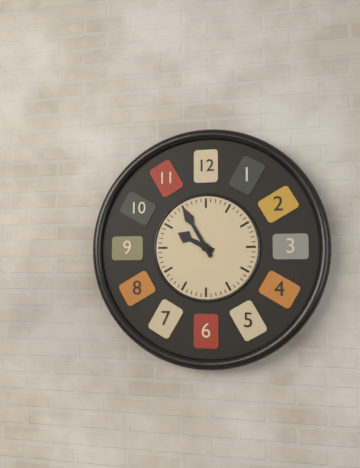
9:55
